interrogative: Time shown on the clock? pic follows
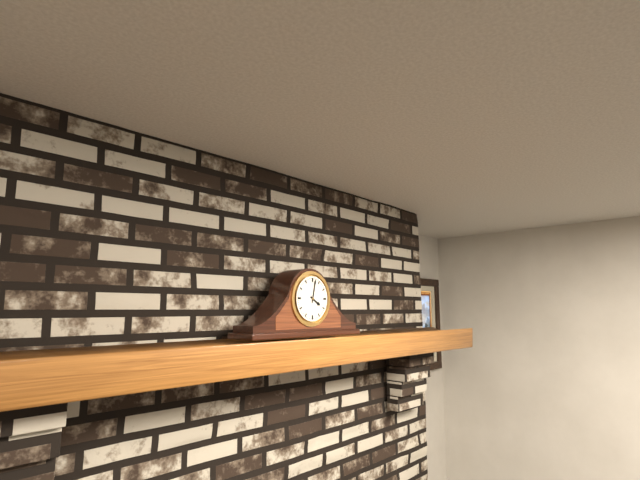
4:02
